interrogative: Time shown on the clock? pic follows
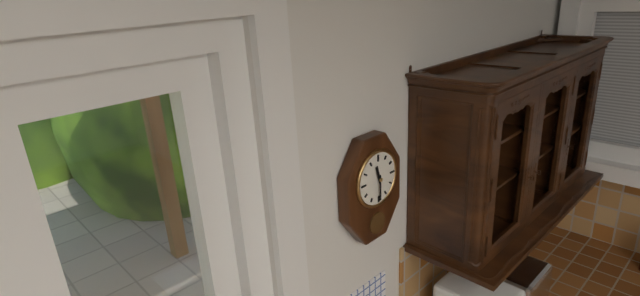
11:30
